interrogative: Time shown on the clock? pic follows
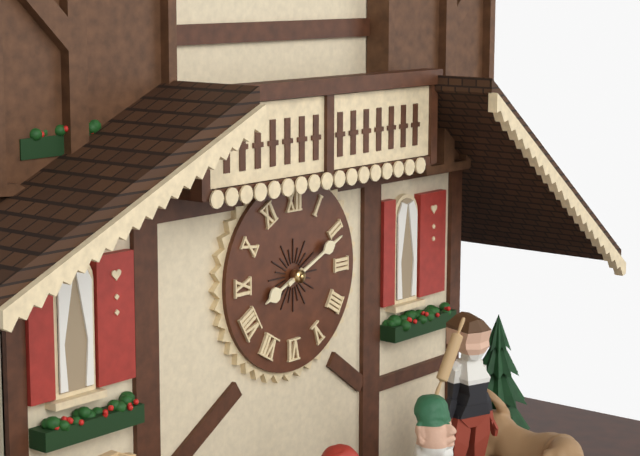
8:11
